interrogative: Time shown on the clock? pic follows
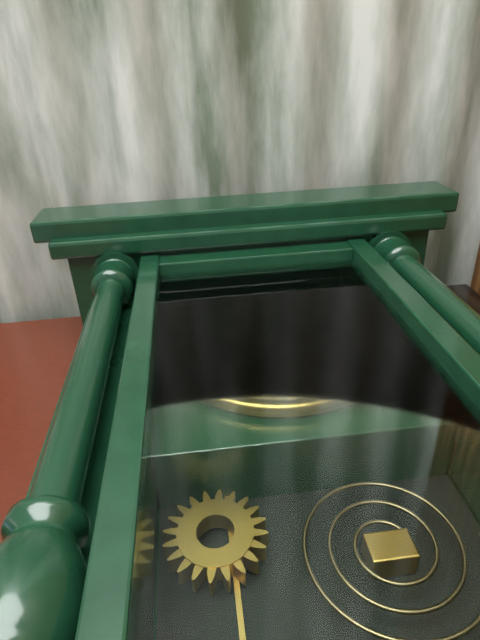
11:56
